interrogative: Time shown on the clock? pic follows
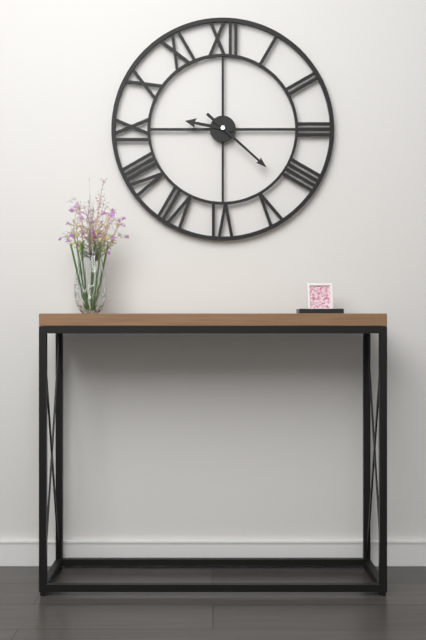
9:22
